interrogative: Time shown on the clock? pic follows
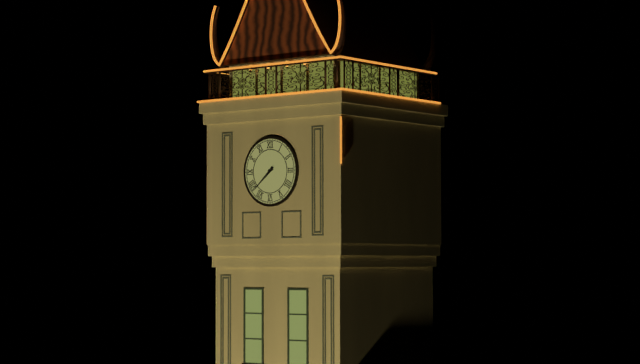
7:38
